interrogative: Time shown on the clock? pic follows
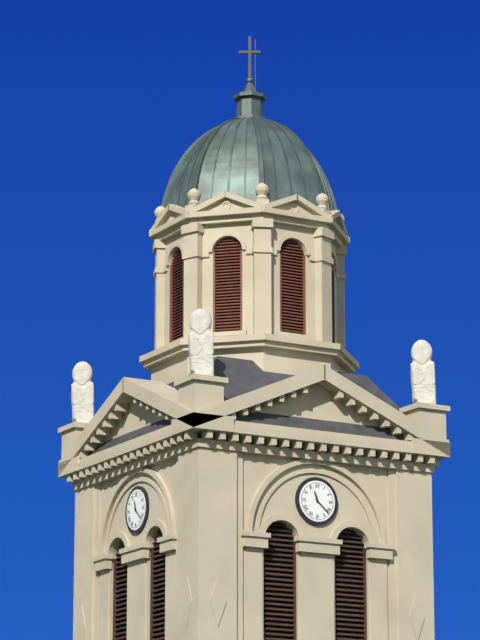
11:22
